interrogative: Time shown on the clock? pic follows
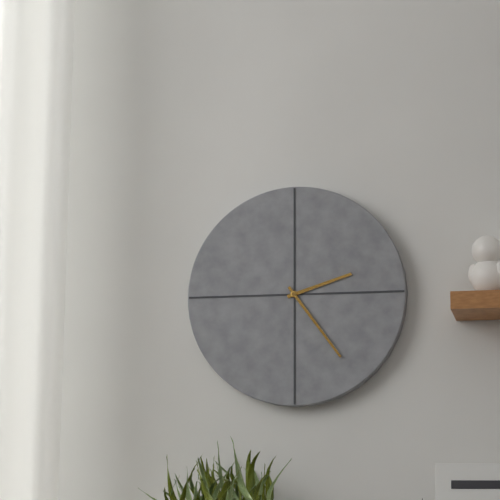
2:24
